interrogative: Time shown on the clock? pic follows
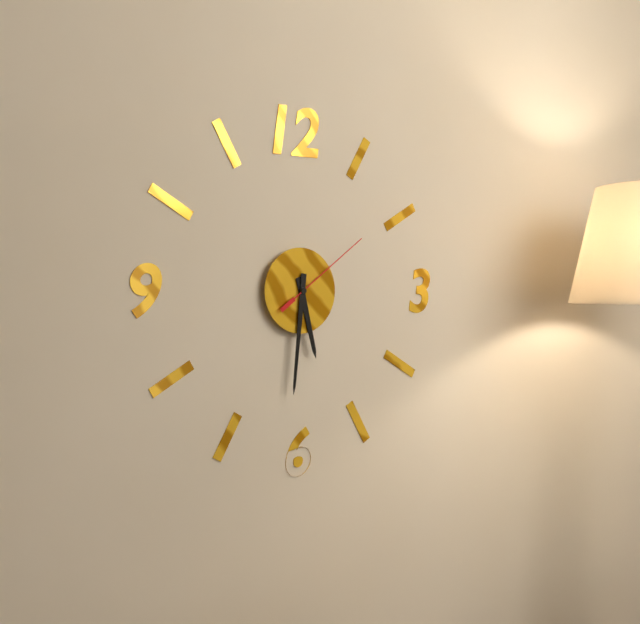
5:31:09
